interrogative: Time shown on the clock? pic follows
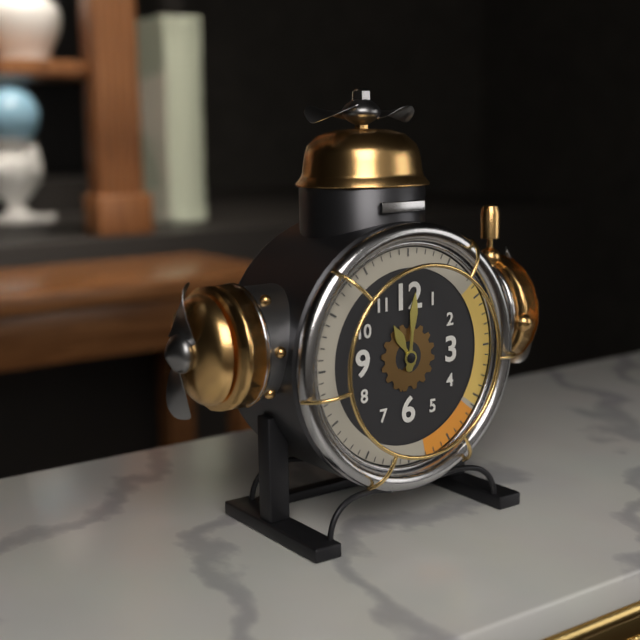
11:01
